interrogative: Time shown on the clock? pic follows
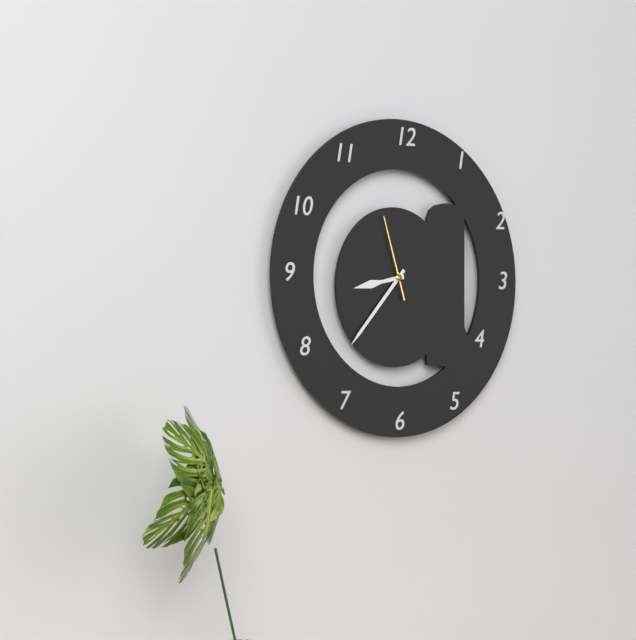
8:37:57
